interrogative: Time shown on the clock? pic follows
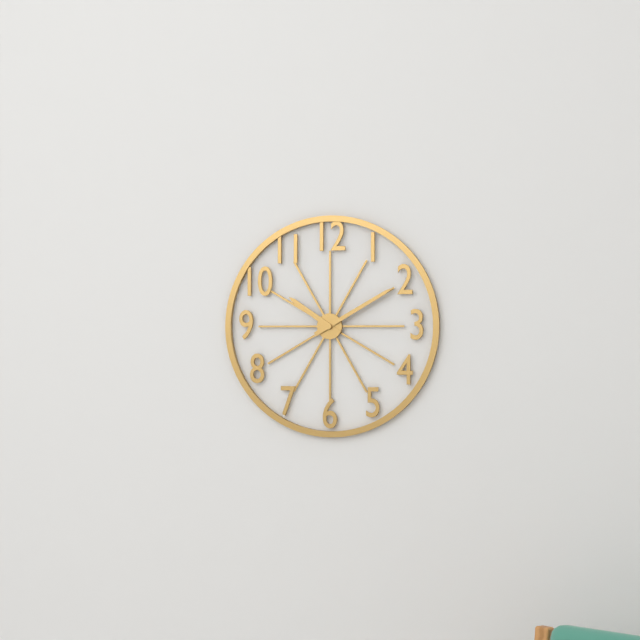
10:10
